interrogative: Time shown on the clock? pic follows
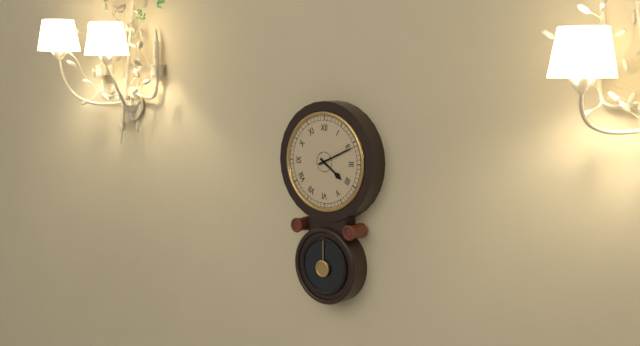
4:11
